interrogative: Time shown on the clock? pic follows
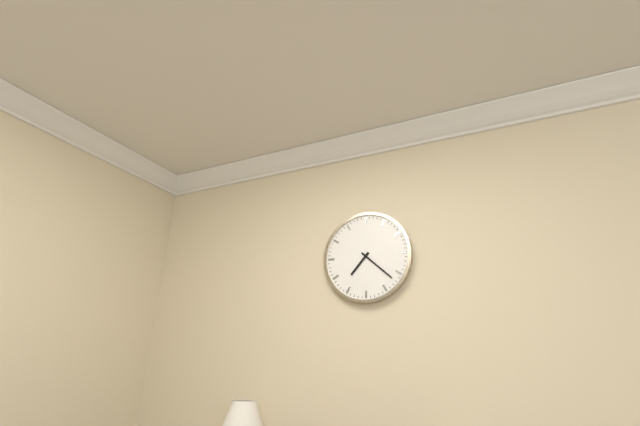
7:22
